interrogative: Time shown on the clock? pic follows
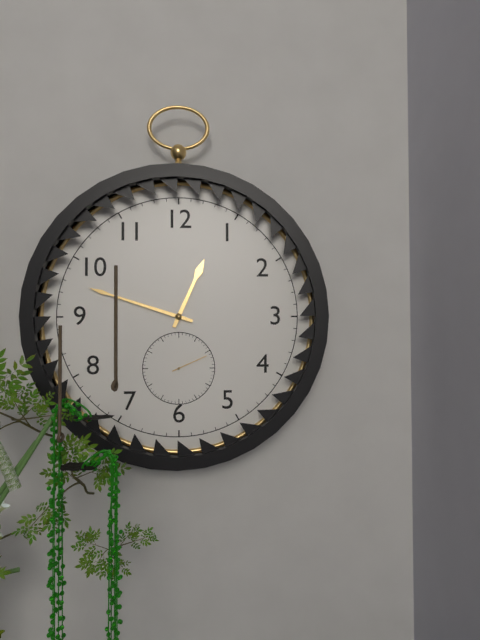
12:48
